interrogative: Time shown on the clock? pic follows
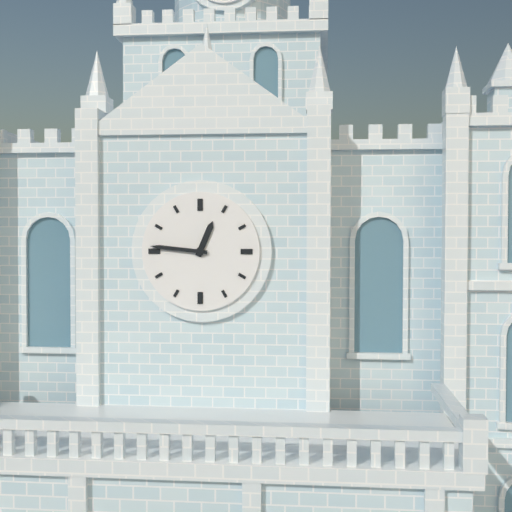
12:46
